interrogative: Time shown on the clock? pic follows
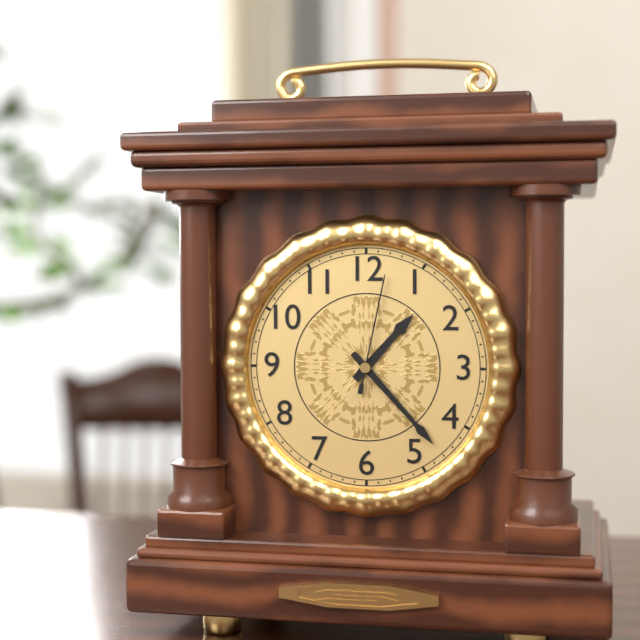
1:23:02
